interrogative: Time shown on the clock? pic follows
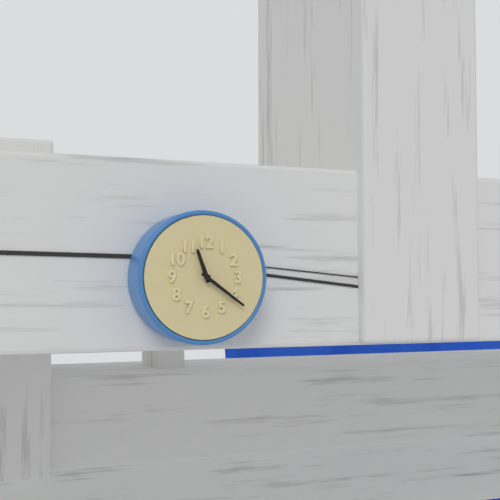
11:21
